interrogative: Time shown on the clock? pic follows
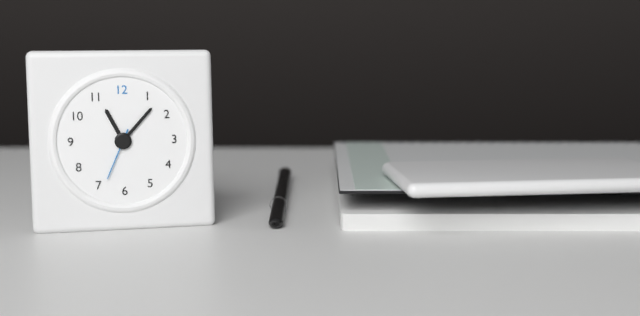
11:07:34
